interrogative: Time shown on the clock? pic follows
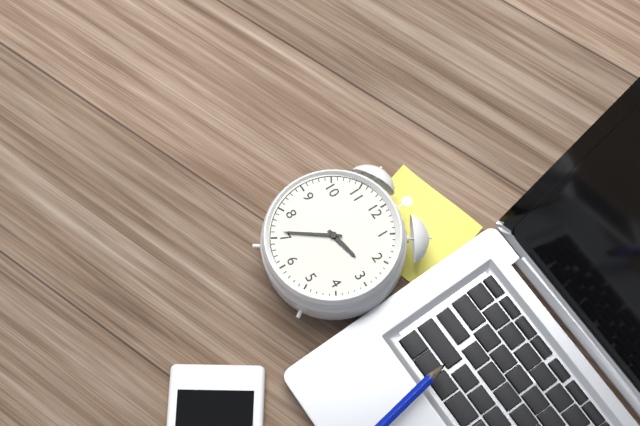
2:36
